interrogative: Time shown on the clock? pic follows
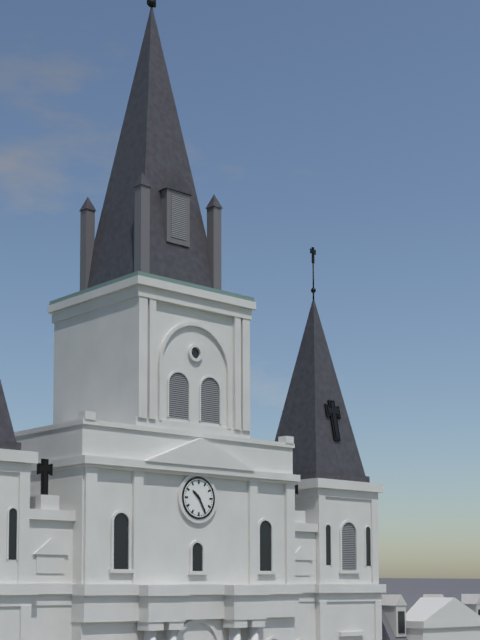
10:25
